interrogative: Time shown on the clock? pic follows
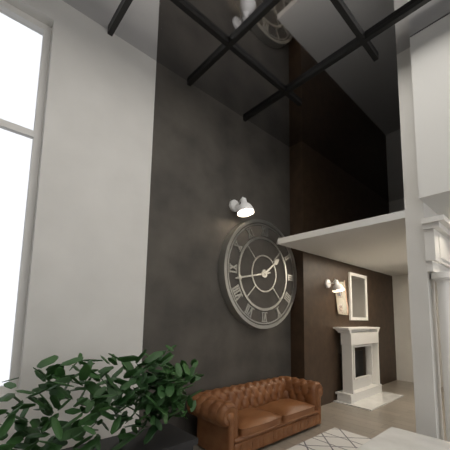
1:43
